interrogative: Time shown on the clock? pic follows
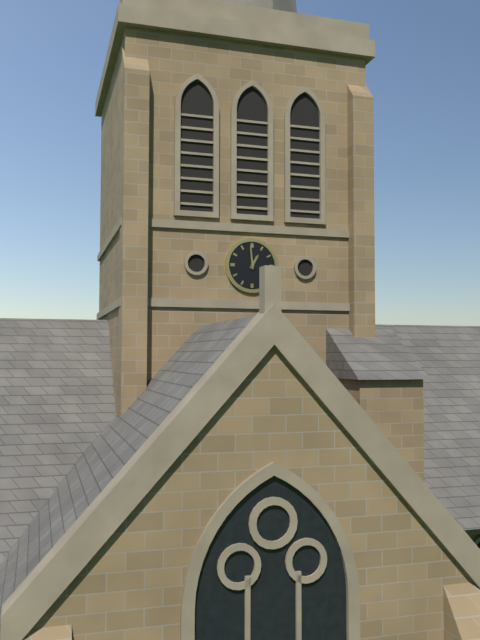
12:59
